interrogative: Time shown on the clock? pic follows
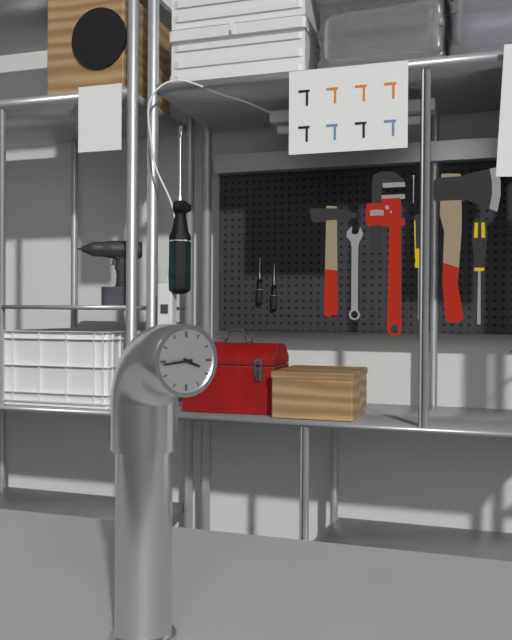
3:44
